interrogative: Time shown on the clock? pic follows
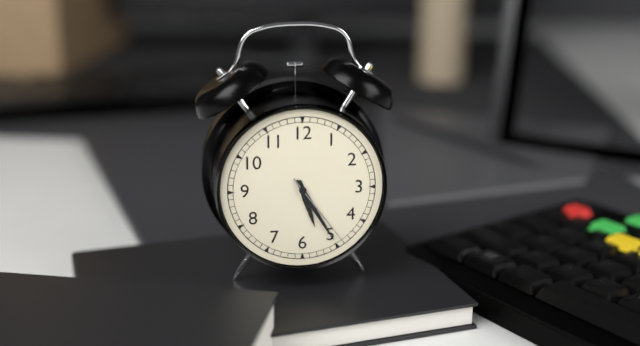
5:25:24
